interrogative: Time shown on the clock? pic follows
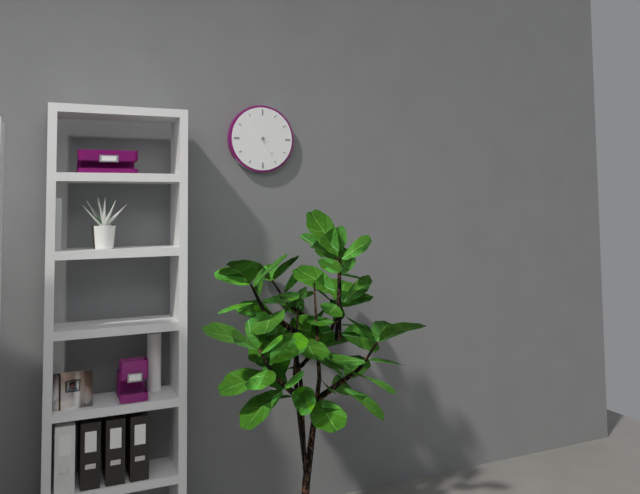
4:55
